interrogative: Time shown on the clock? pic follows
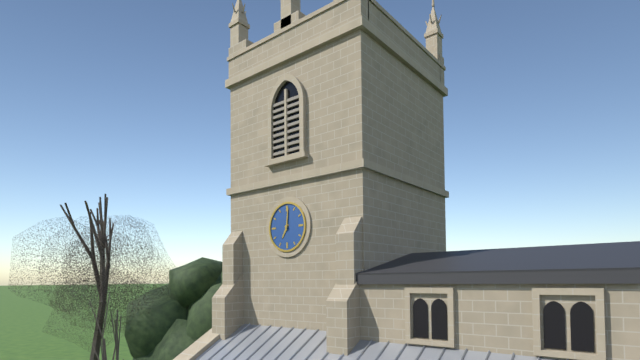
7:01
